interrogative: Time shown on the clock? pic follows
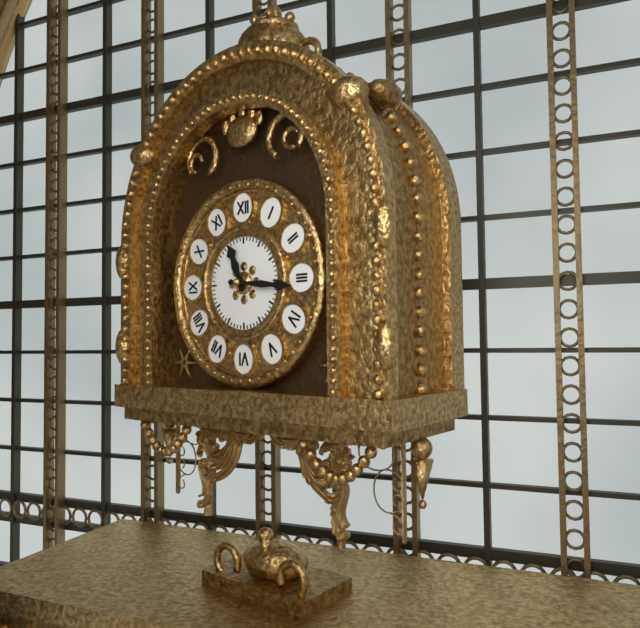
11:16
